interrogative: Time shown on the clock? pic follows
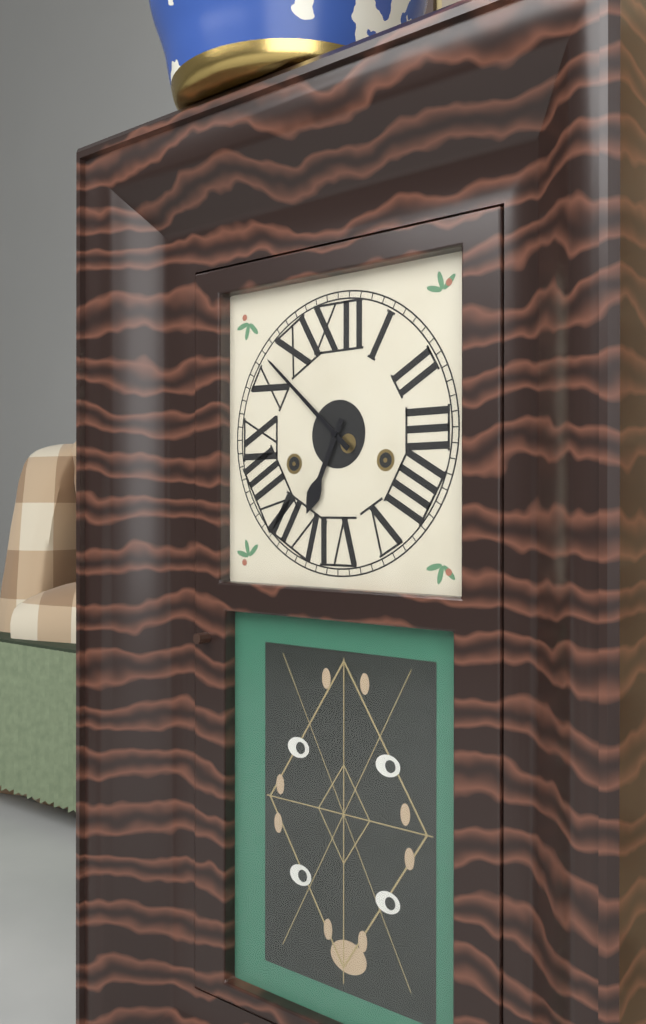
6:52
